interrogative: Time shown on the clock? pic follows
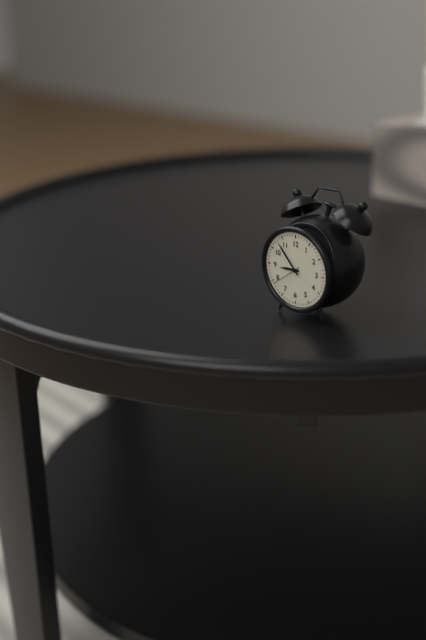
8:53
